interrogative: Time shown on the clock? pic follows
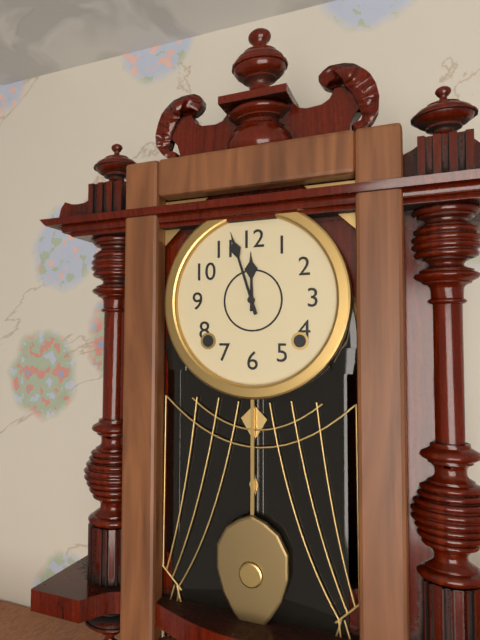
11:57
